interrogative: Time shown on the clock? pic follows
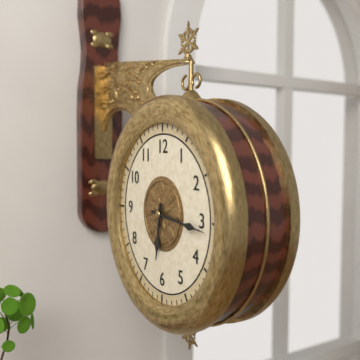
6:16
